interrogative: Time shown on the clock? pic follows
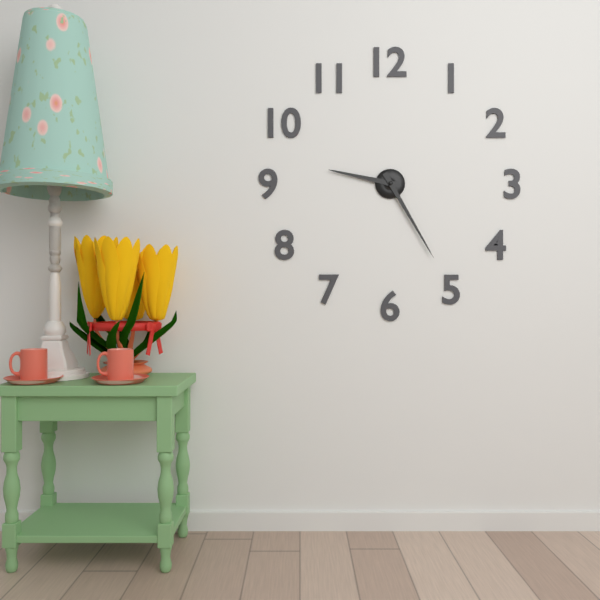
9:25
